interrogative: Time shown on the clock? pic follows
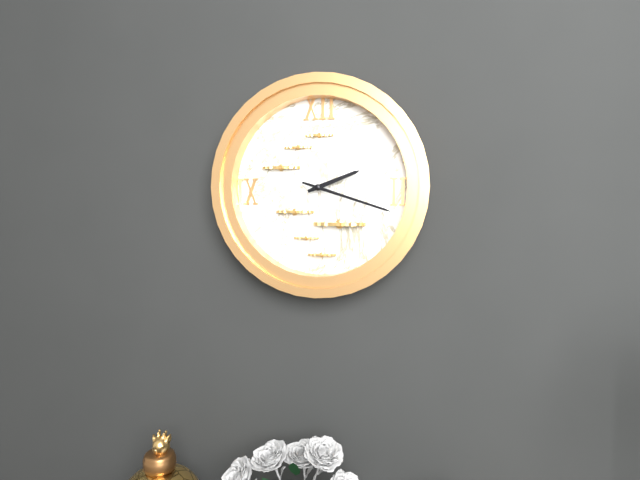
2:18
